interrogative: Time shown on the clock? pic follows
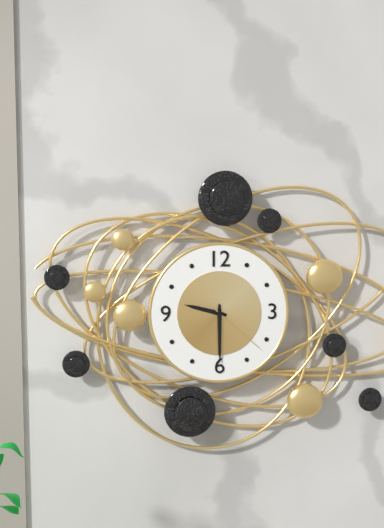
9:30:22
